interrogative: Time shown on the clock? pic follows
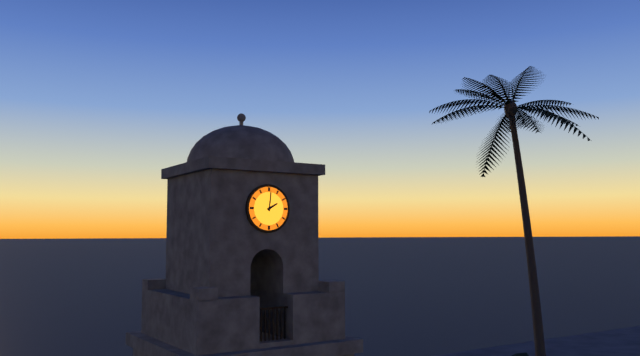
2:01
